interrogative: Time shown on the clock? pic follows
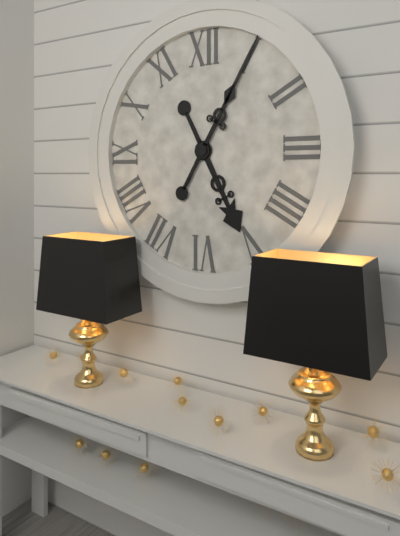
5:05
